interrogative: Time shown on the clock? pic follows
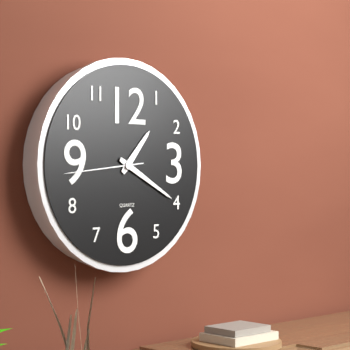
1:20:44
